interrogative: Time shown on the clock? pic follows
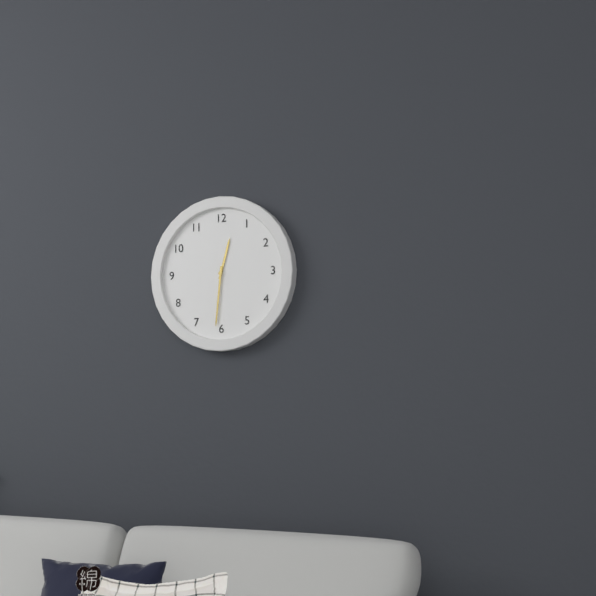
12:31
